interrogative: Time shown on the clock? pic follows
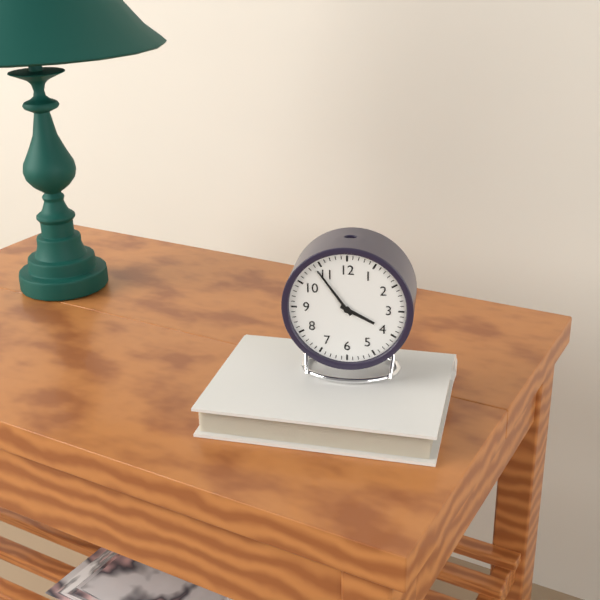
3:54
